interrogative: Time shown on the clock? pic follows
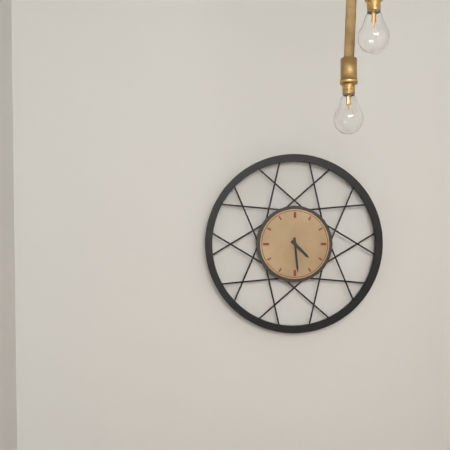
4:29
